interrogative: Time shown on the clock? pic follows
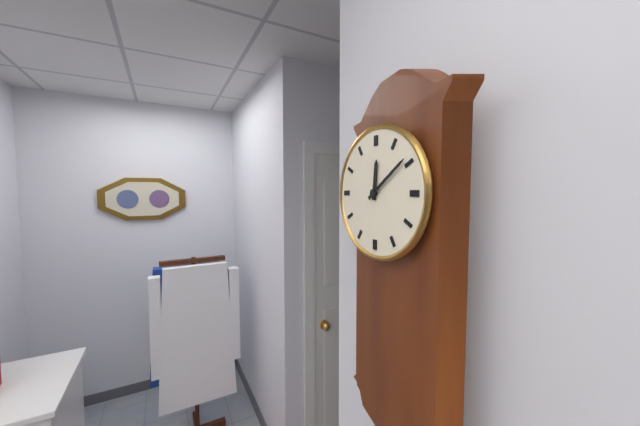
12:09
